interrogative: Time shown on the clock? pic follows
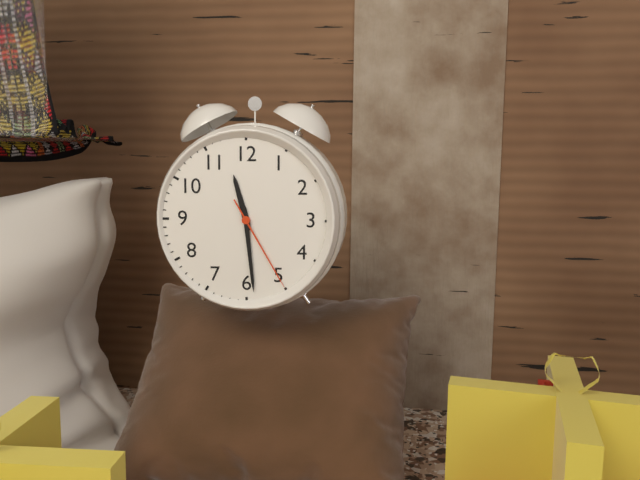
11:29:25
